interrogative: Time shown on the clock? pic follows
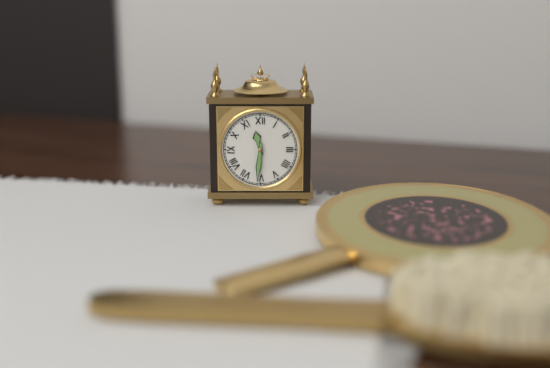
11:31
